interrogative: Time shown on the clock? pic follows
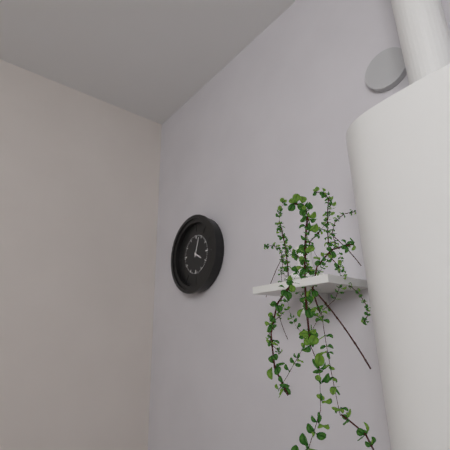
4:03
